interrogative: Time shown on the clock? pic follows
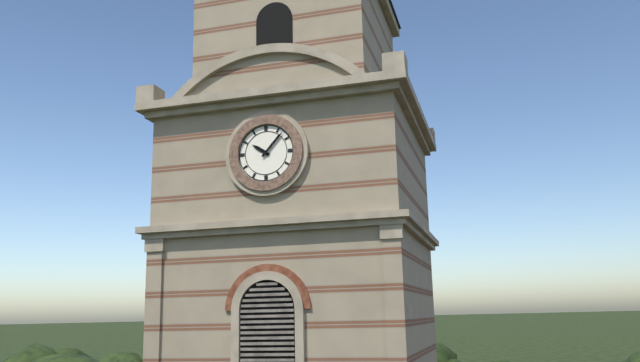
10:07
